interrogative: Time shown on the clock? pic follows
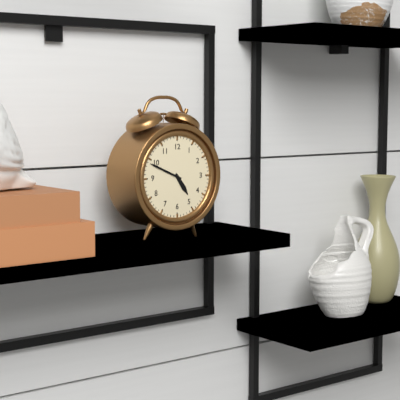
4:49
